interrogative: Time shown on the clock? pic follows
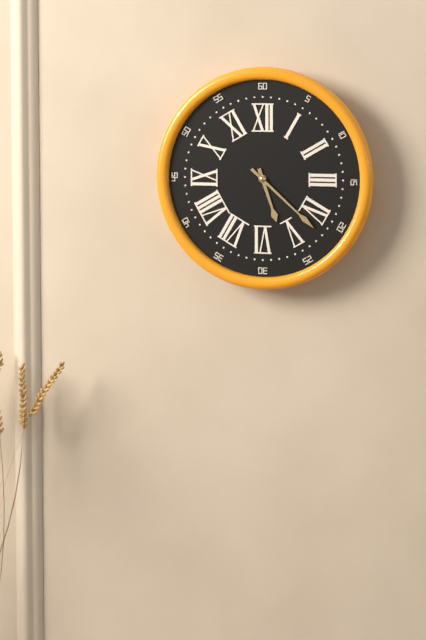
5:22
